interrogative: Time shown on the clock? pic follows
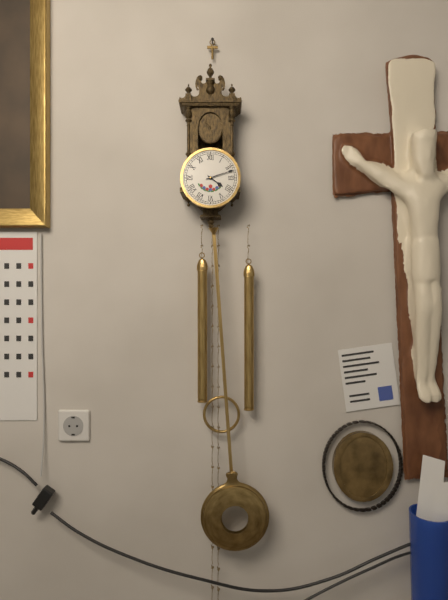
4:12
